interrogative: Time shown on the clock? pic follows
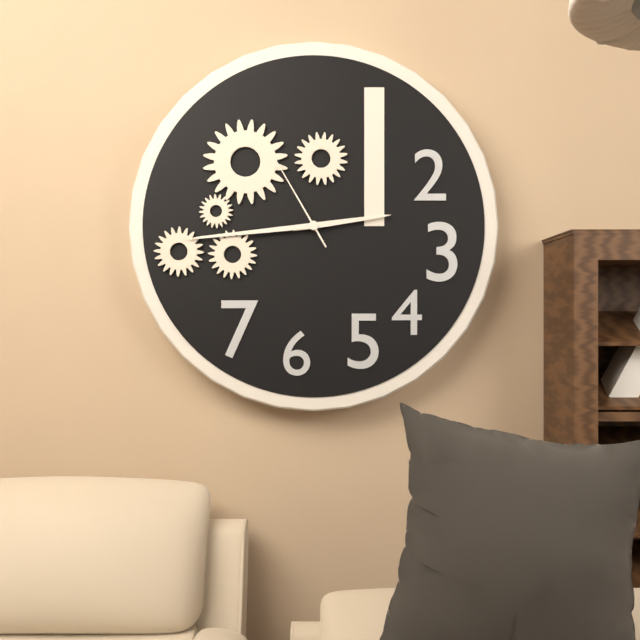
2:44:55
